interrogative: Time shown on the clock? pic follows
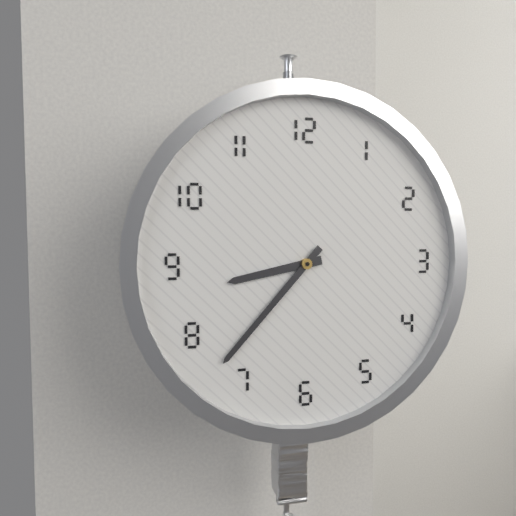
8:37
